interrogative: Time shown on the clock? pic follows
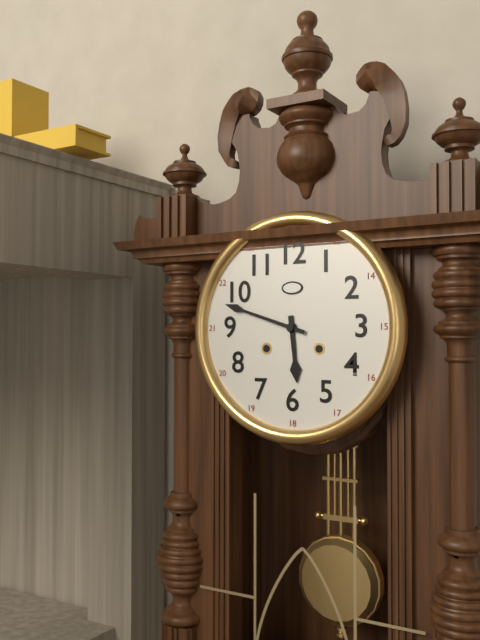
5:48
